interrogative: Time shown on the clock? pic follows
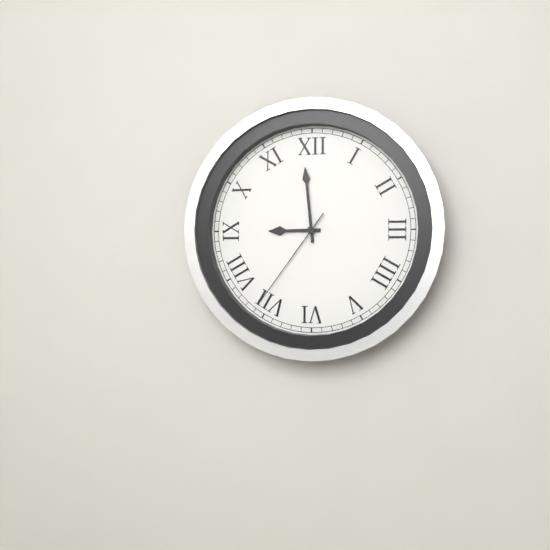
8:59:36
